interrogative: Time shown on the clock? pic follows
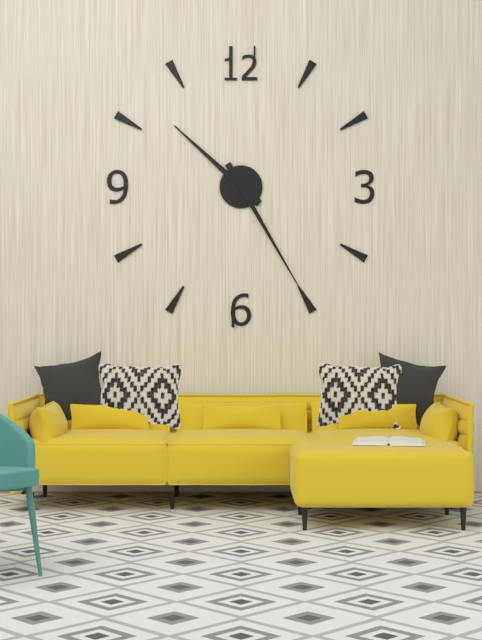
10:25
